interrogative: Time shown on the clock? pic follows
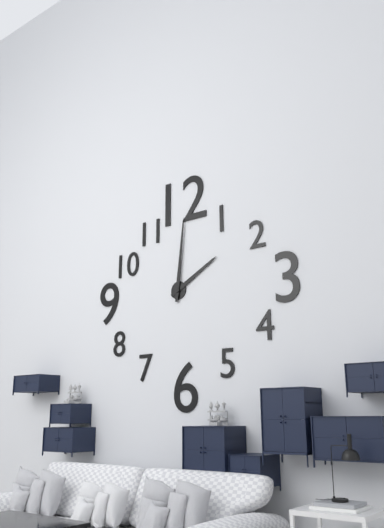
2:01
